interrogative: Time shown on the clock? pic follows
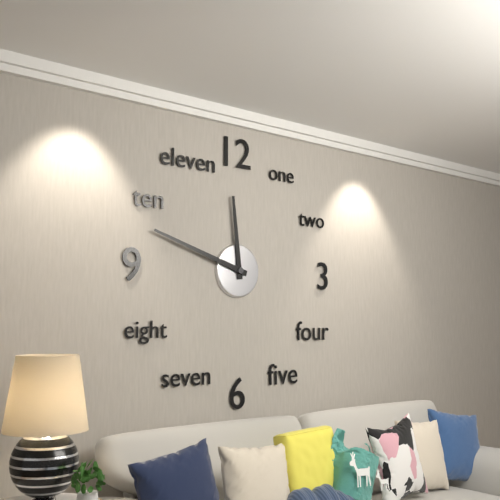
11:48
